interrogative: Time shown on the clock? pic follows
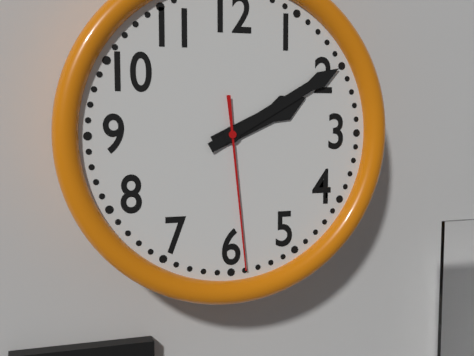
2:10:29
